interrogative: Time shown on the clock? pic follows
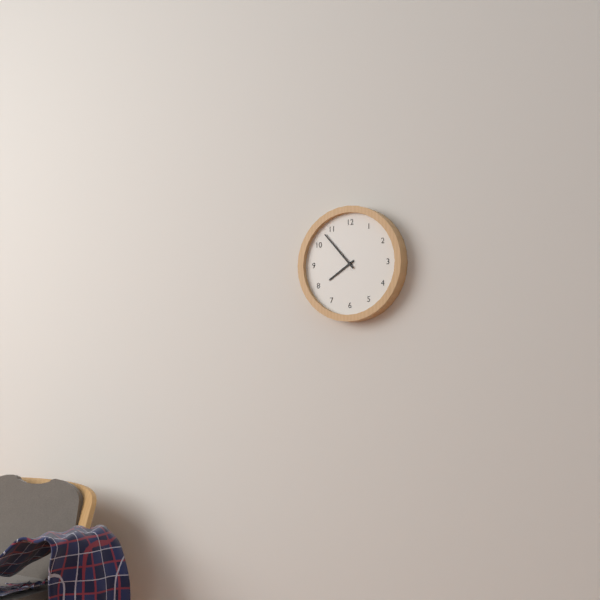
7:53
